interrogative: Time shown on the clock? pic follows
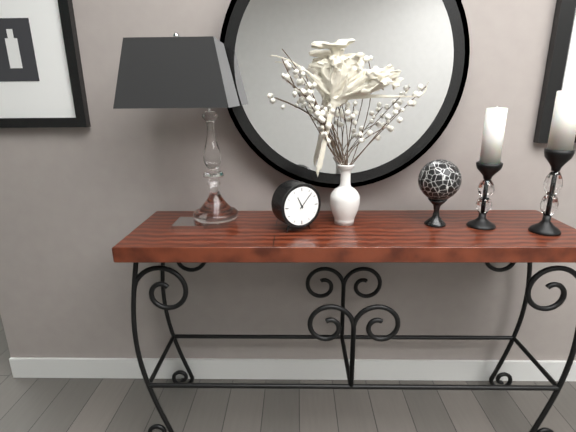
11:07
